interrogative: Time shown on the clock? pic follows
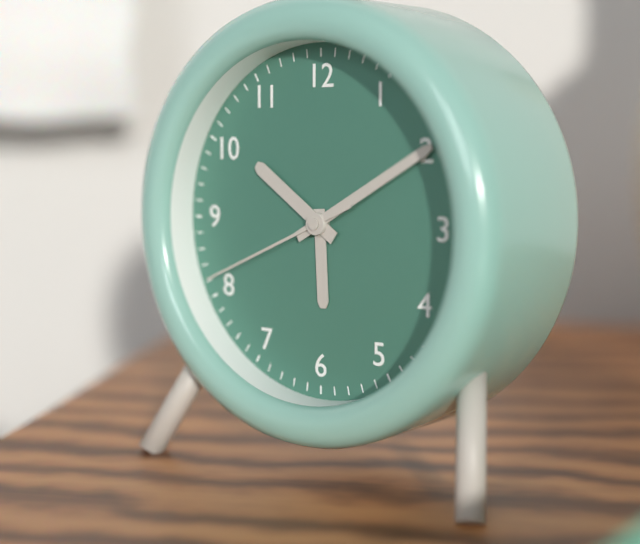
10:10:41
